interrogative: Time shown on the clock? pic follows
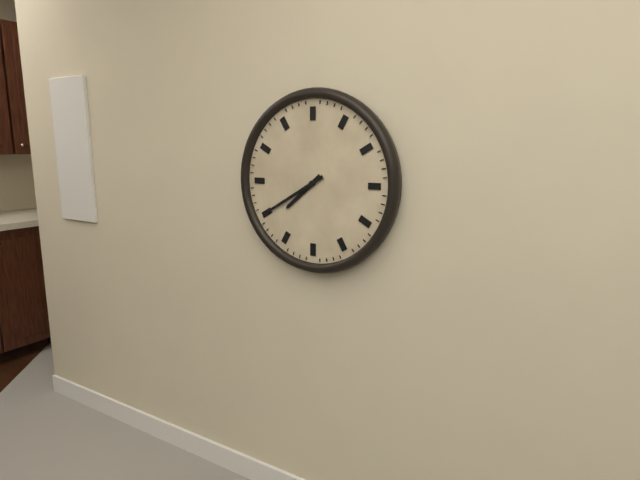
7:40
